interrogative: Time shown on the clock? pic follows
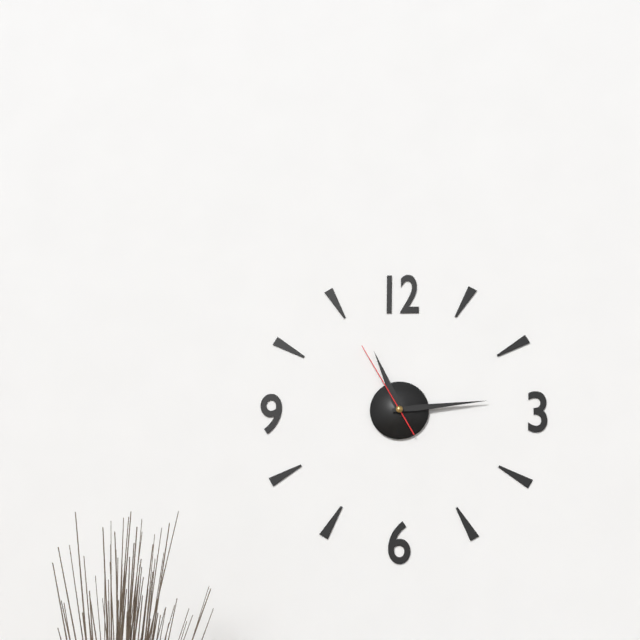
11:14:55
